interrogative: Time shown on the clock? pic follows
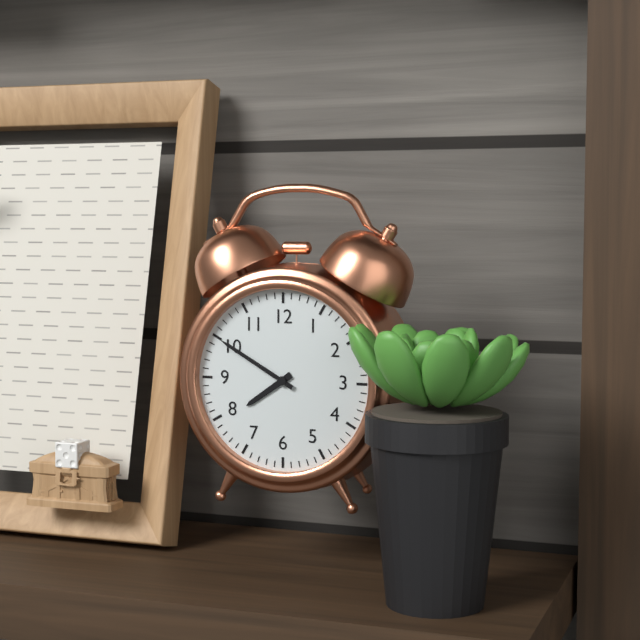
7:50
